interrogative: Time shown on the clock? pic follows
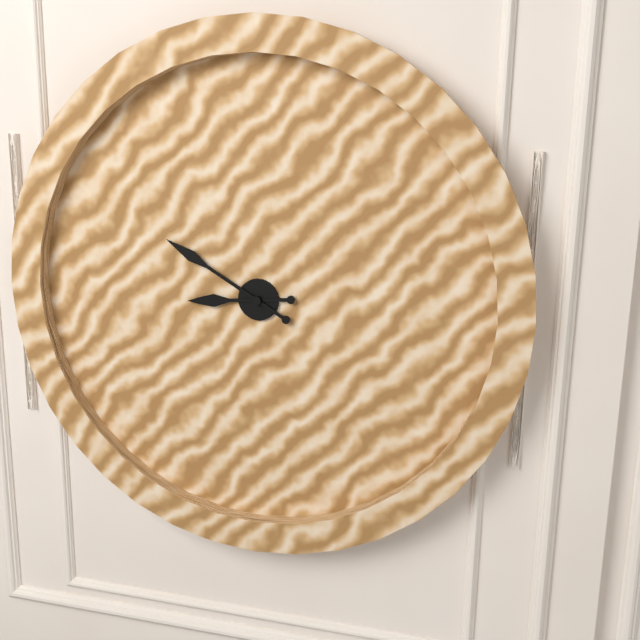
8:50
